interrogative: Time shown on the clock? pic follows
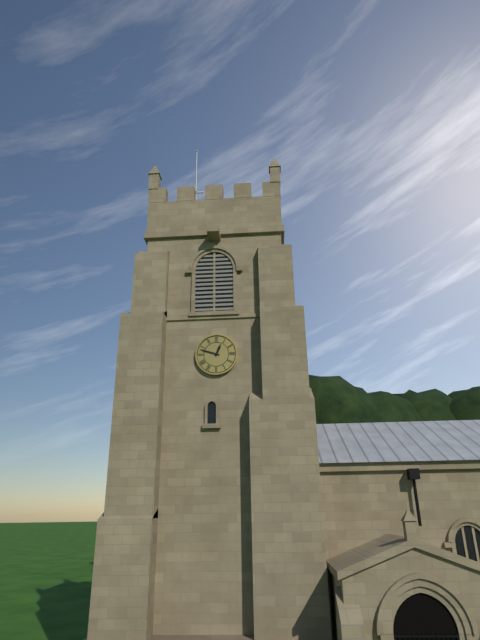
12:48
